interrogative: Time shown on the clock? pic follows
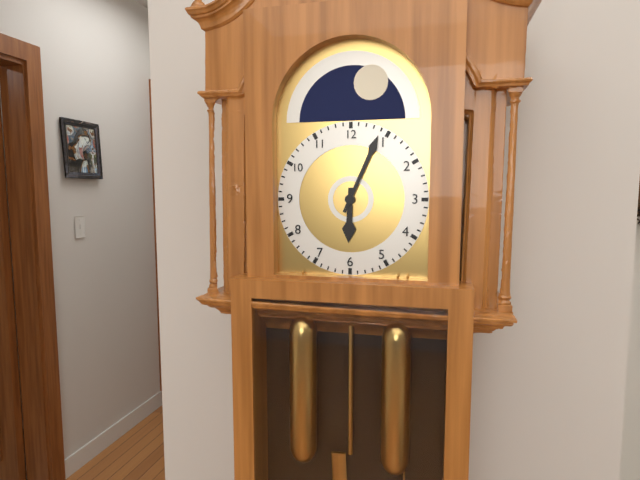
6:04
